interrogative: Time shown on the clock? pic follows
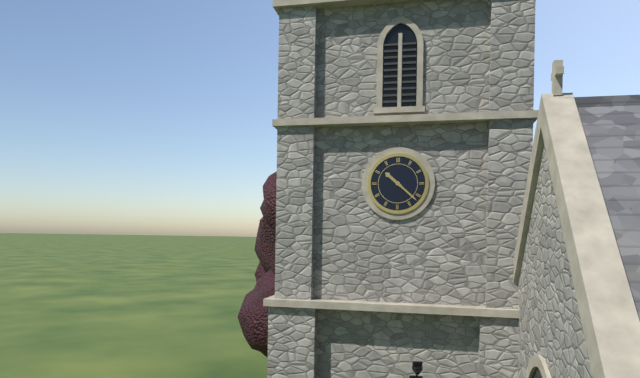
10:22
